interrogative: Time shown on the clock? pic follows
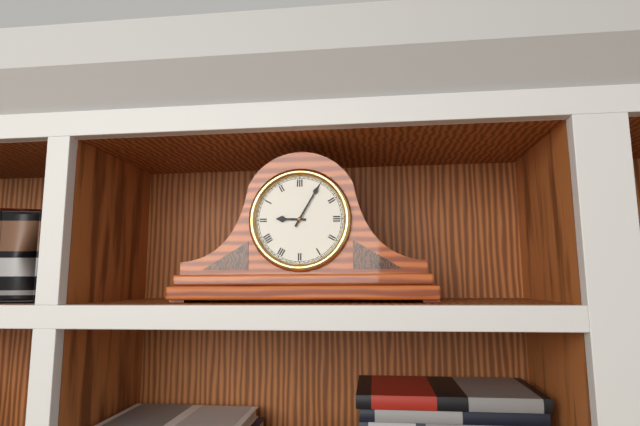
9:05
